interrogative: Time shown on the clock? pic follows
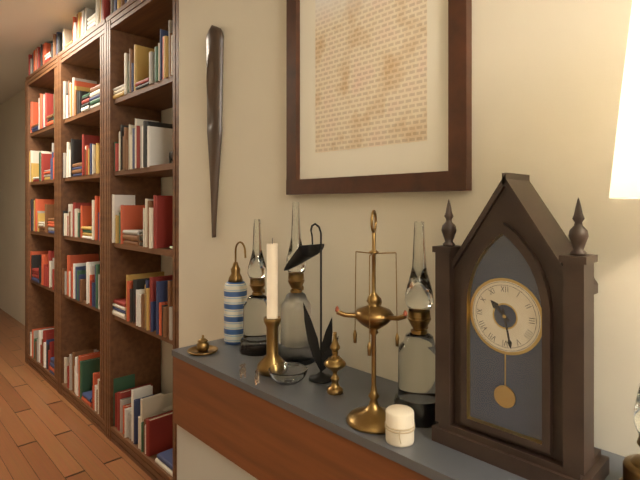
10:28
